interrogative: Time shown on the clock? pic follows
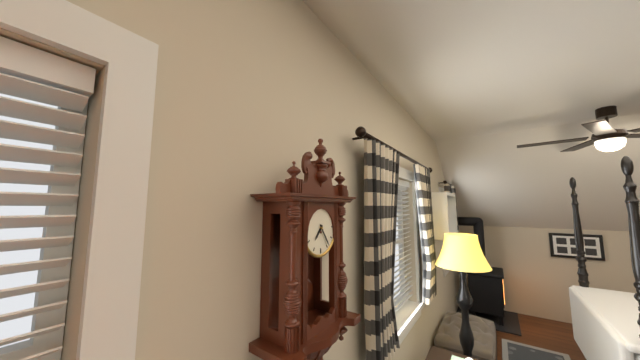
7:24
